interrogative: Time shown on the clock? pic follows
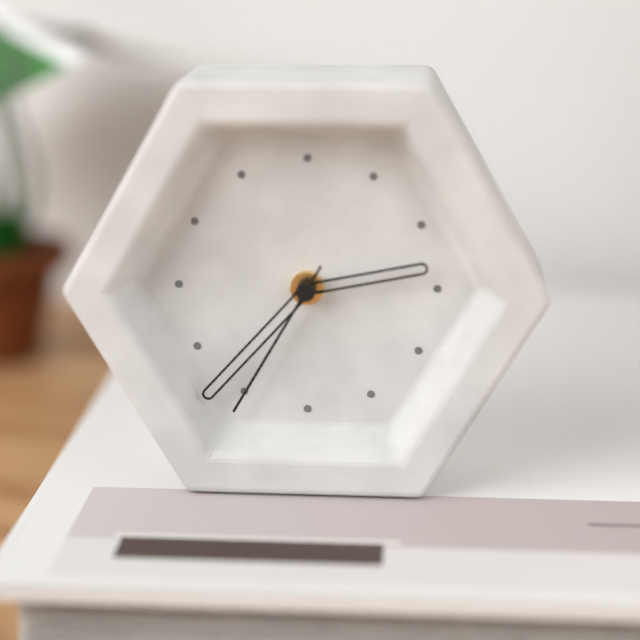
2:37:35
